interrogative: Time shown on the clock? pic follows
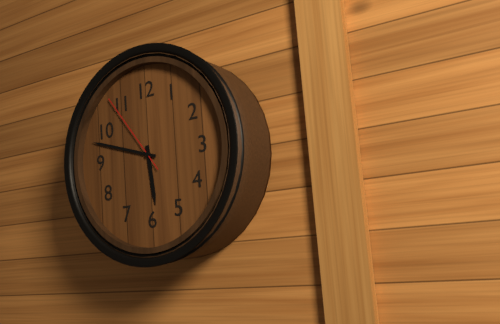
5:48:54
